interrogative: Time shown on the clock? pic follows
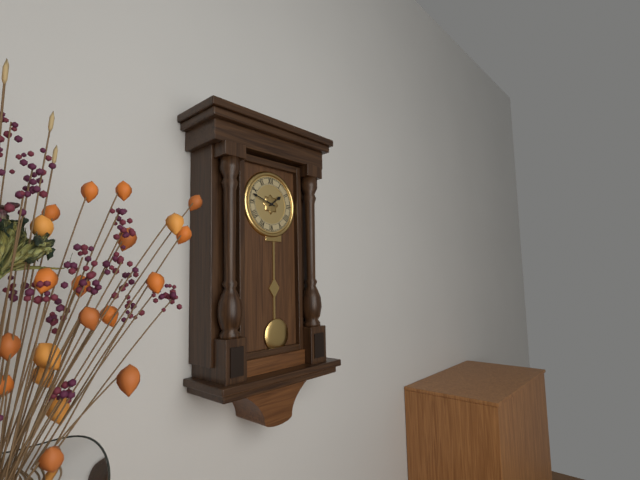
1:48
